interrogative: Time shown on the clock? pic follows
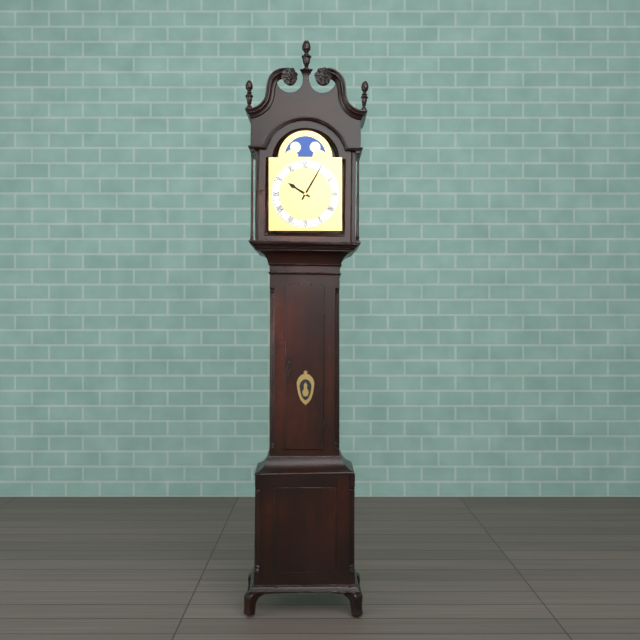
10:05
